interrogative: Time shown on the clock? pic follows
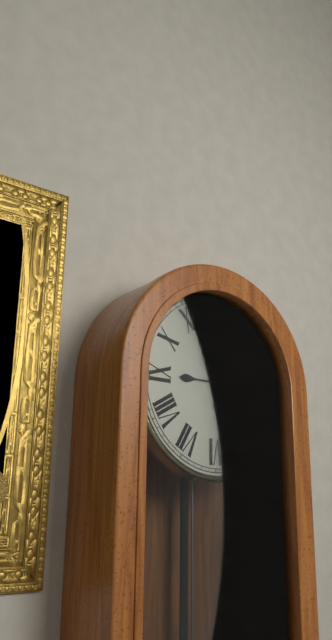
8:58
